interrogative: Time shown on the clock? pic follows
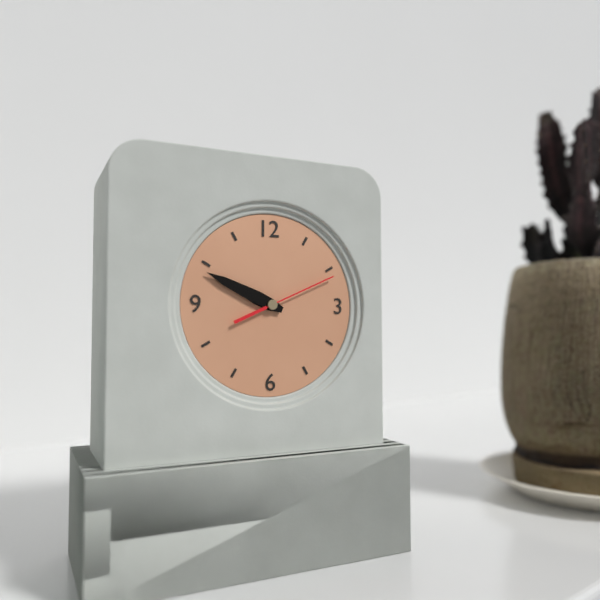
9:49:11
